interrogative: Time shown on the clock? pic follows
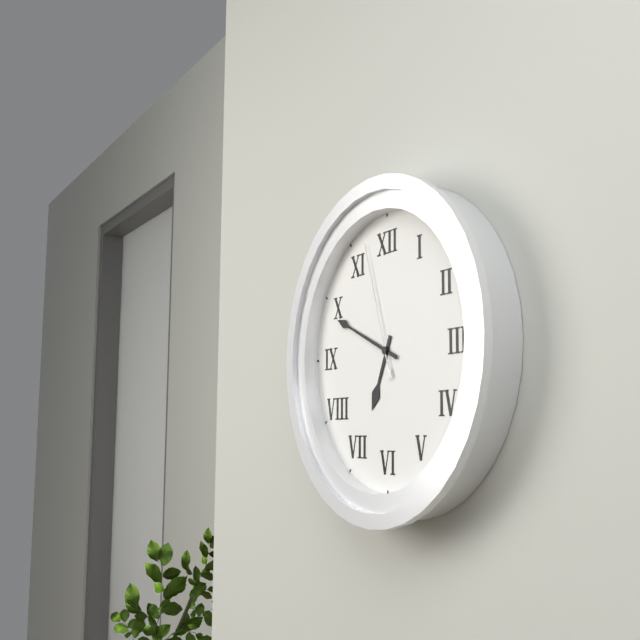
6:49:57
